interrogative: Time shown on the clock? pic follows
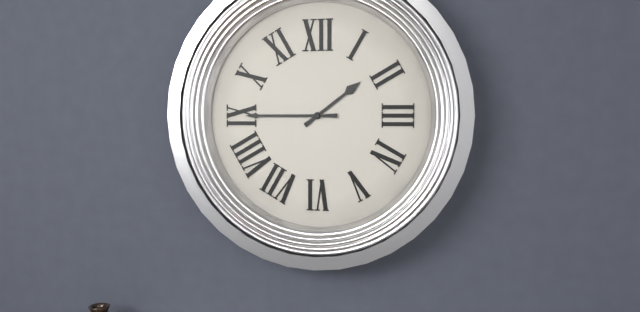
1:45
